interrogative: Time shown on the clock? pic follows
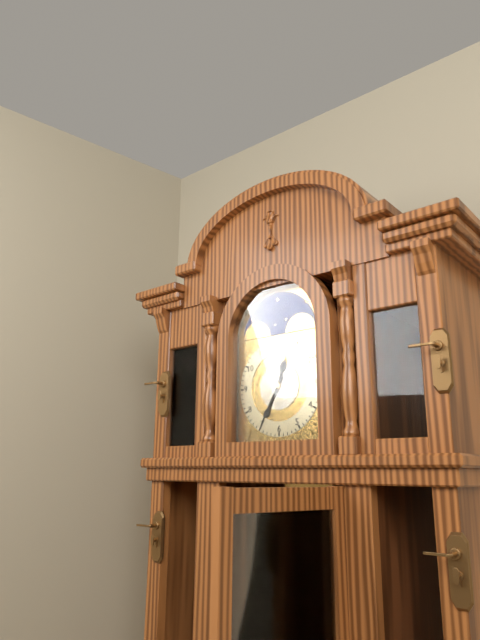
12:35
